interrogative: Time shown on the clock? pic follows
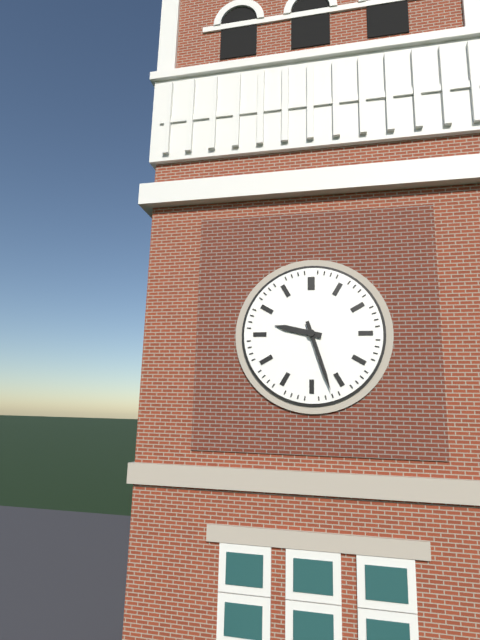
9:27
